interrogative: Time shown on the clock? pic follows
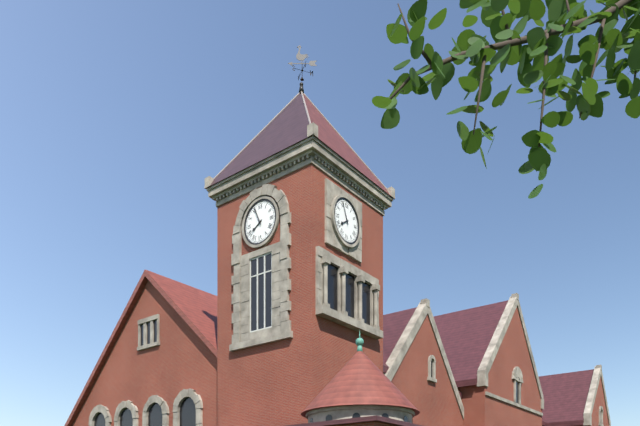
7:56
